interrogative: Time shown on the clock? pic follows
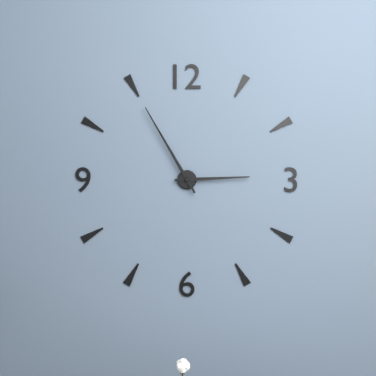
2:55
